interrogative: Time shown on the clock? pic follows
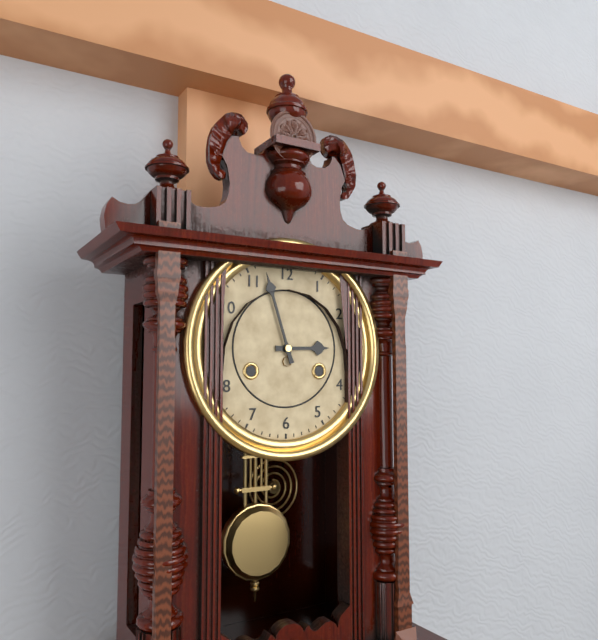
2:57
